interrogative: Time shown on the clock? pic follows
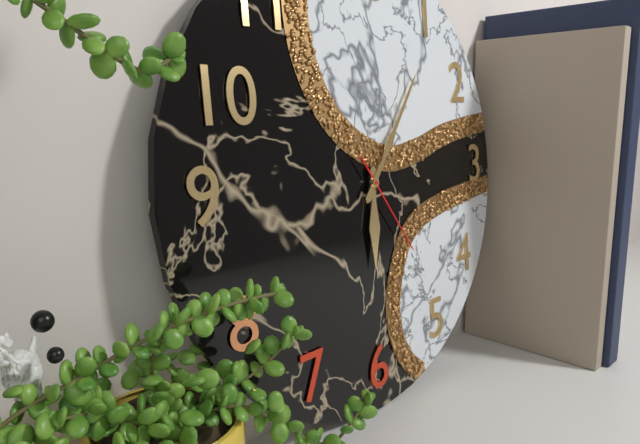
6:06:24
